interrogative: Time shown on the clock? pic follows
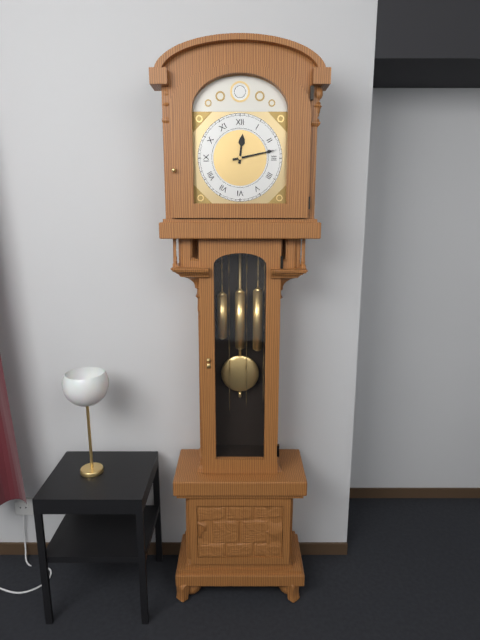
12:13
